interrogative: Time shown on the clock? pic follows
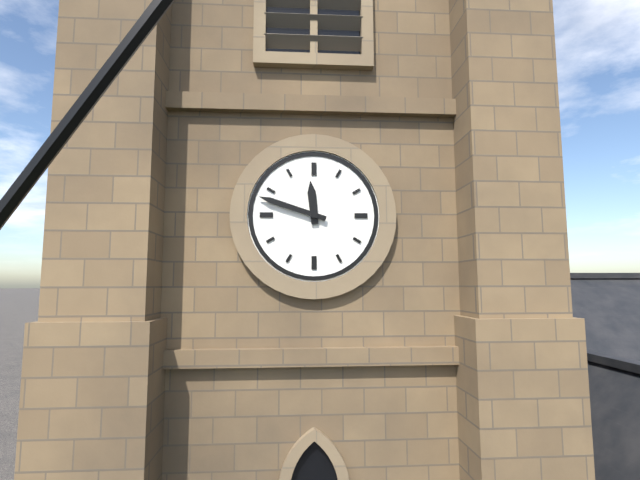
11:48
